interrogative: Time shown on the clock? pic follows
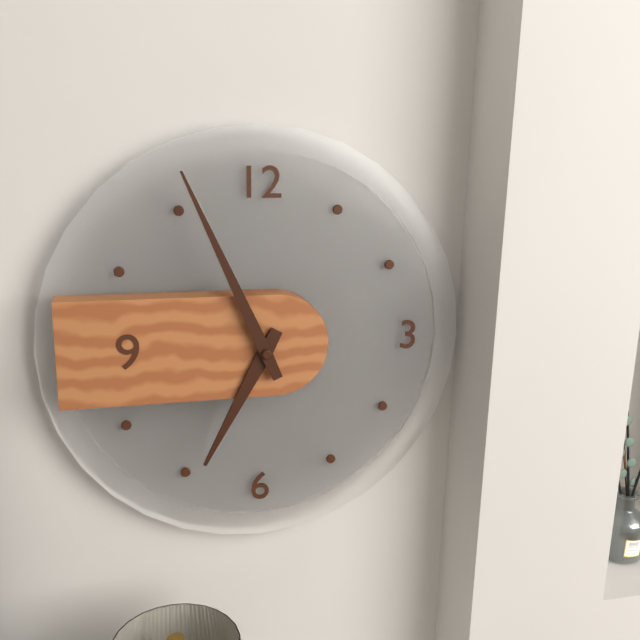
6:56
